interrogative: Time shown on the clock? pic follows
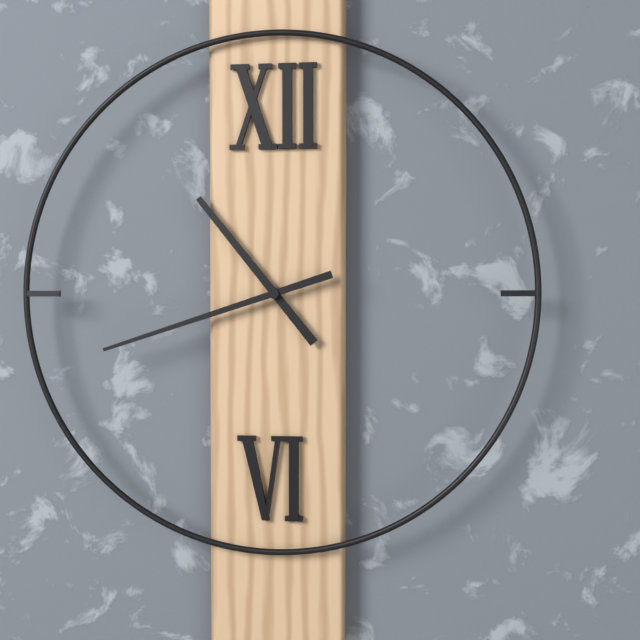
10:42
